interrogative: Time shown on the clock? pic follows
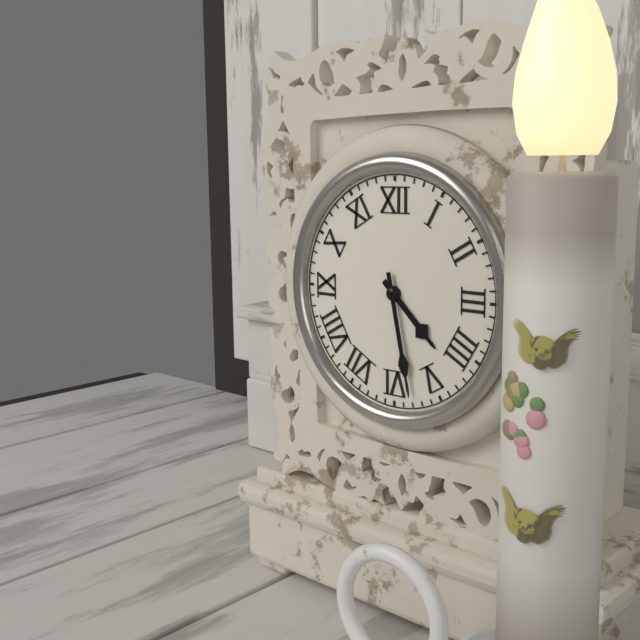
4:28
